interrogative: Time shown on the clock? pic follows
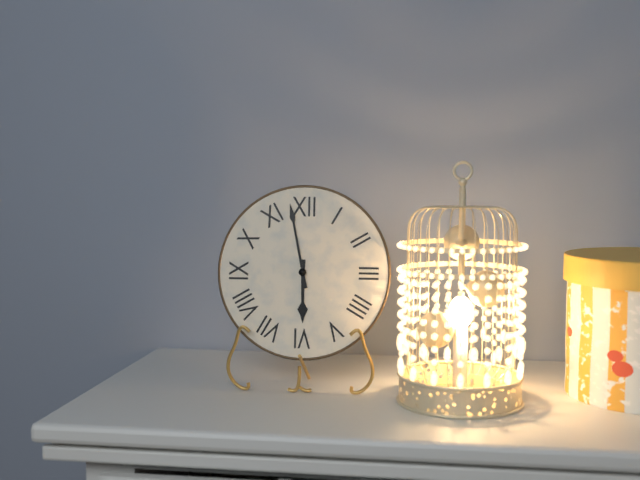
5:58
